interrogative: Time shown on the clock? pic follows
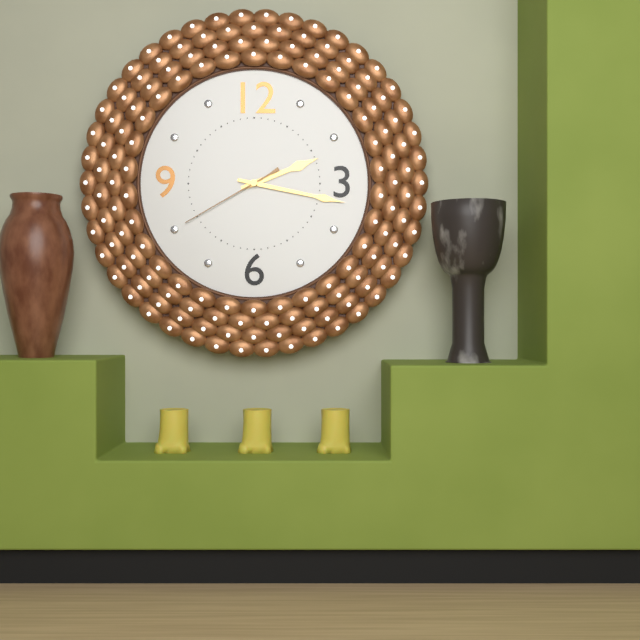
2:17:40
